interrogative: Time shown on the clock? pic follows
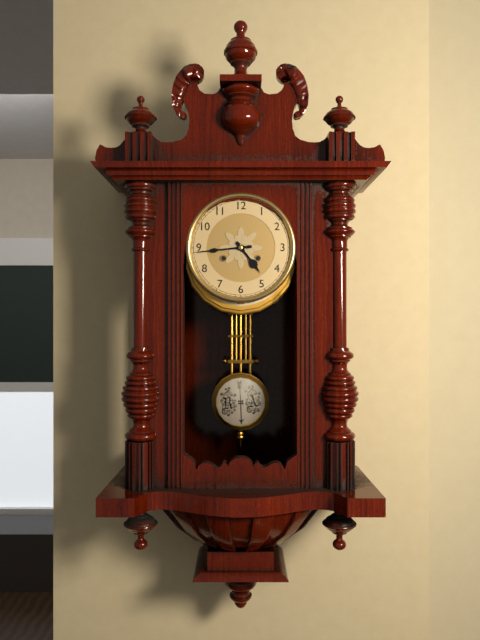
4:44
